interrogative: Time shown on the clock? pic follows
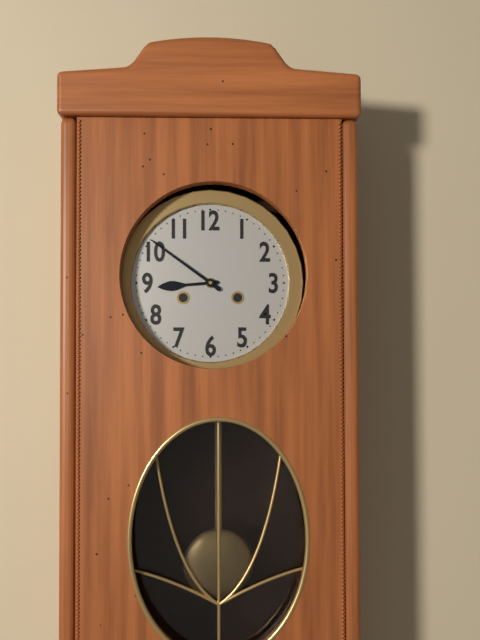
8:51
